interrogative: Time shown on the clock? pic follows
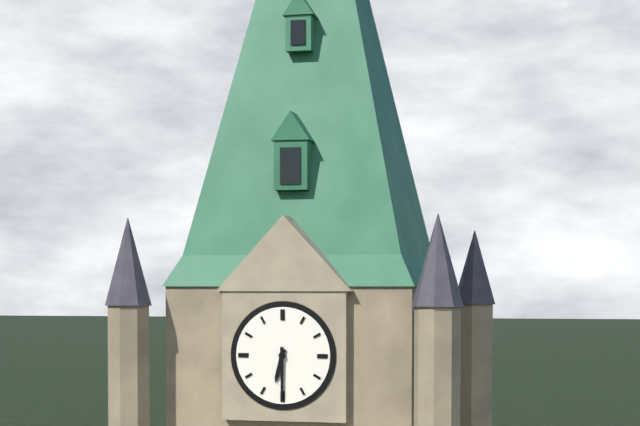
6:30
